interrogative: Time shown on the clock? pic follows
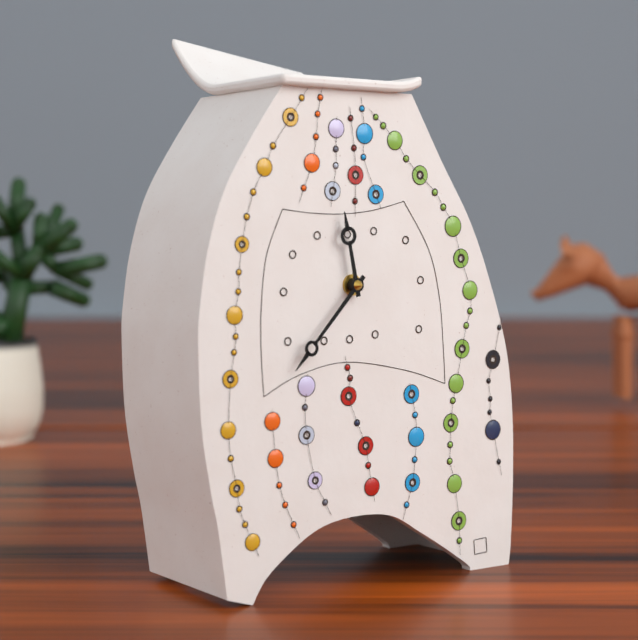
11:37
